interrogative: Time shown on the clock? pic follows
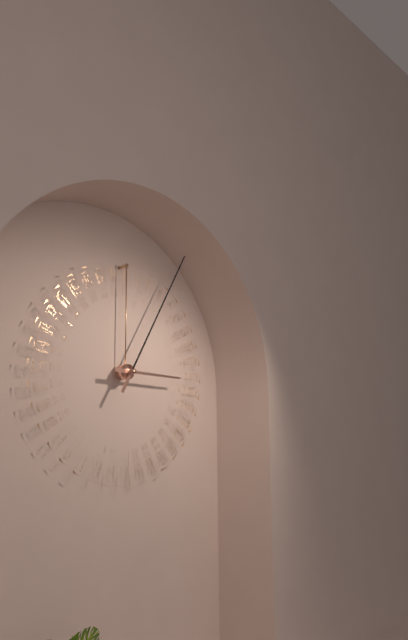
3:05
